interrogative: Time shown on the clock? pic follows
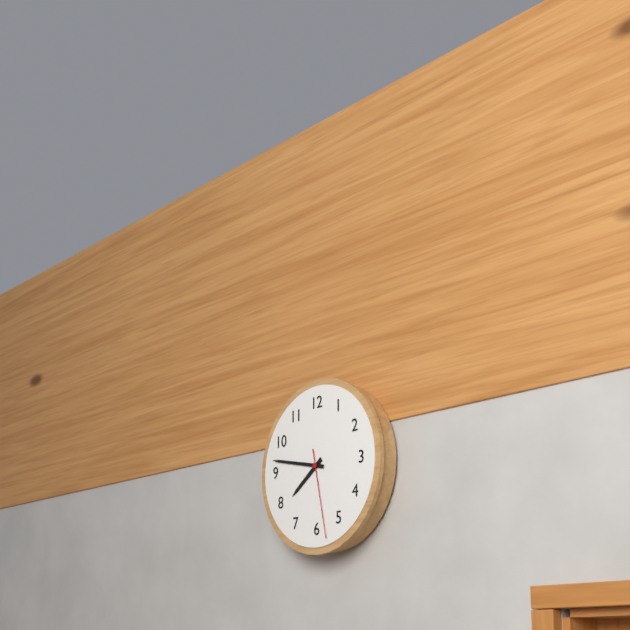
7:47:28
